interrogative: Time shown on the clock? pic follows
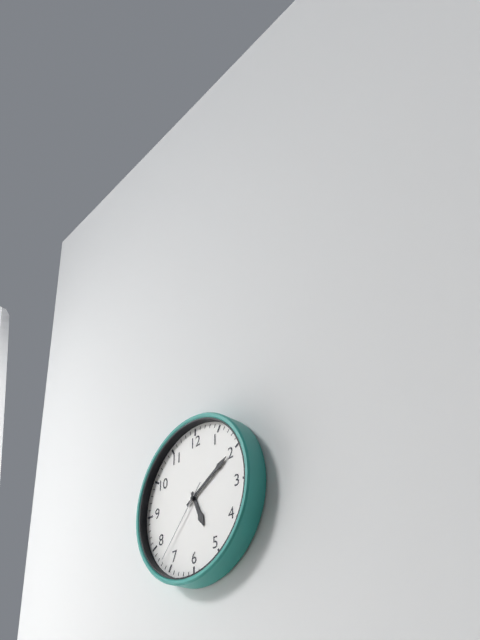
5:10:37
